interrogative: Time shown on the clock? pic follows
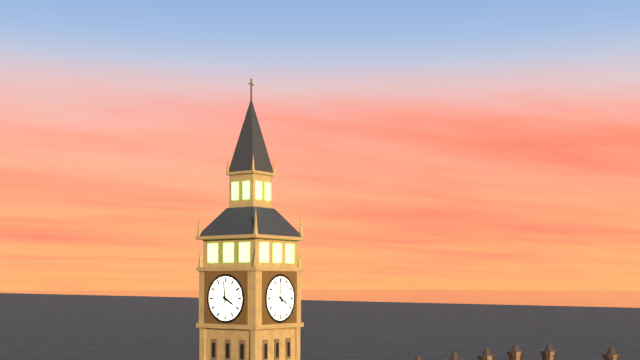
3:59
